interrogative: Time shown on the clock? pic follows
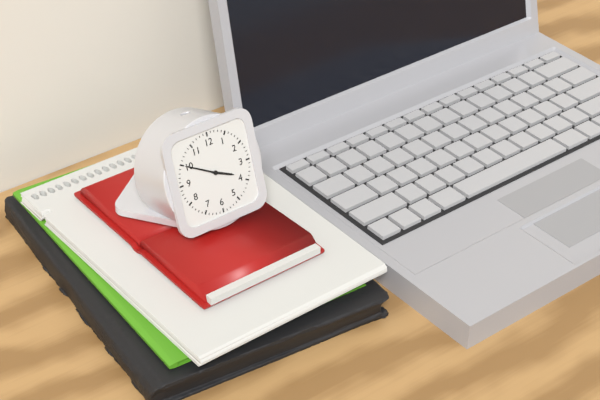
3:50
